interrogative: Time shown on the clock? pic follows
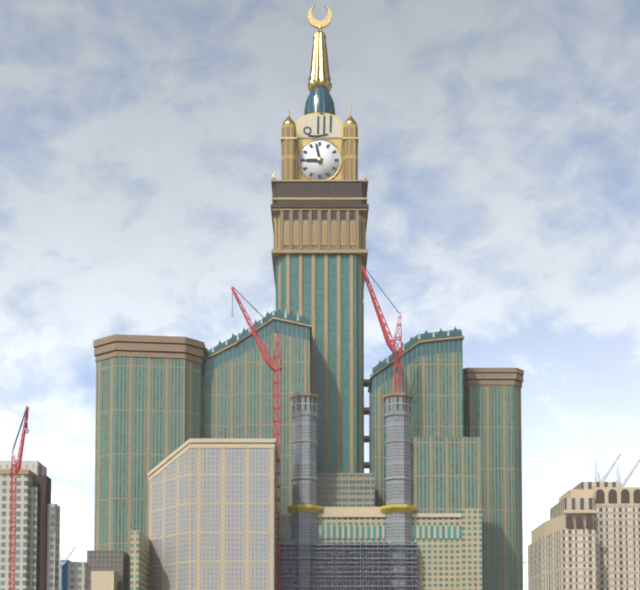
8:58
